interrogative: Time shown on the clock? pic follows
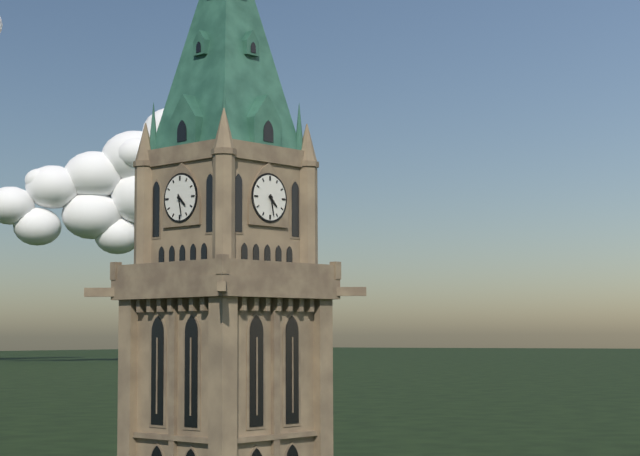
4:28
